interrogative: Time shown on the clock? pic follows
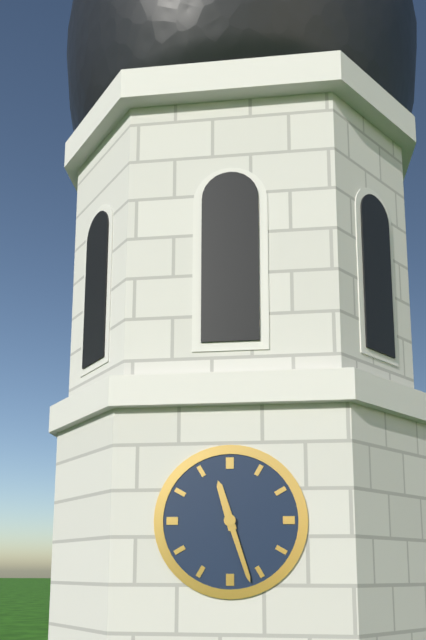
11:27
